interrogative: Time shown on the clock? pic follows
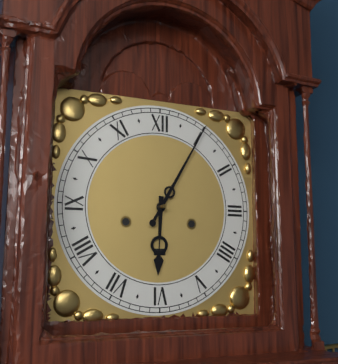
6:05
